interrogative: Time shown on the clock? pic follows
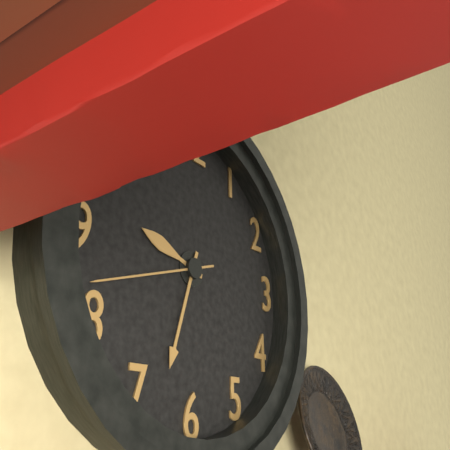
9:33:42
